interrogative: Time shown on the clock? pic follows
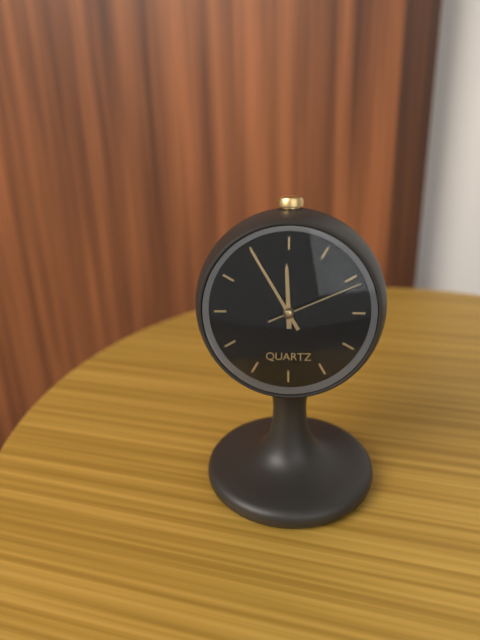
11:55:11
